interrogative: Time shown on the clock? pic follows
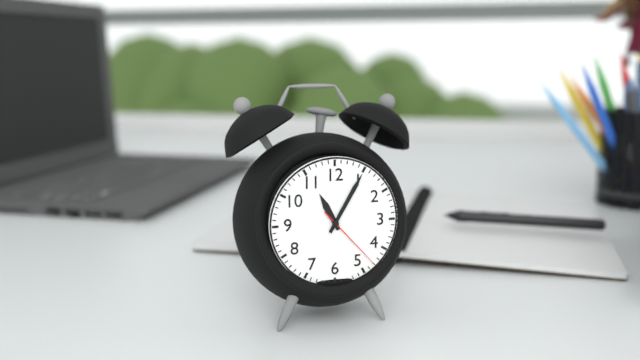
11:05:23
